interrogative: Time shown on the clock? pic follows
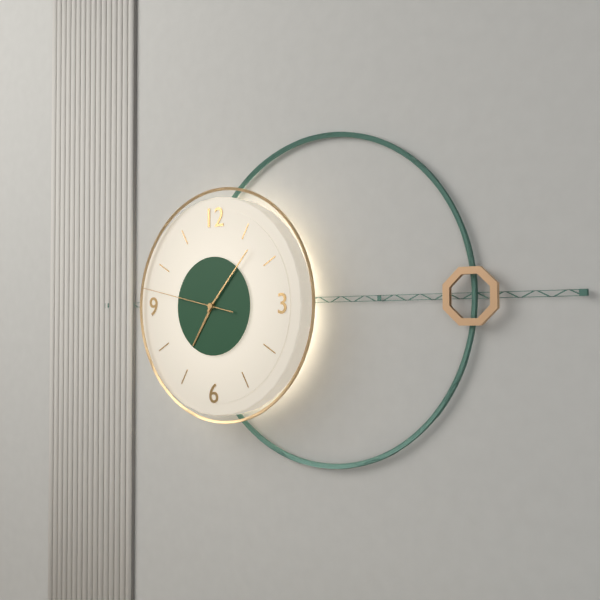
7:07:47
